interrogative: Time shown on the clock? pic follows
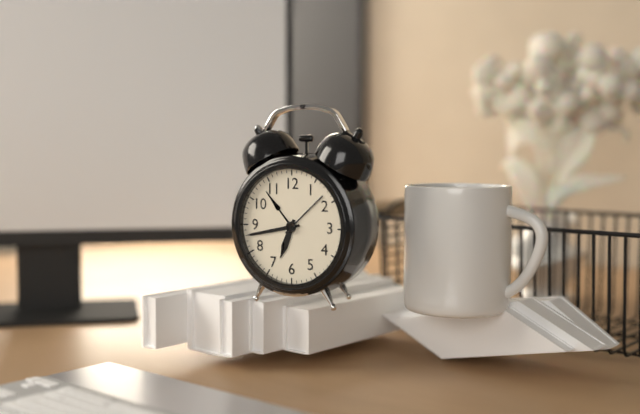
6:43
